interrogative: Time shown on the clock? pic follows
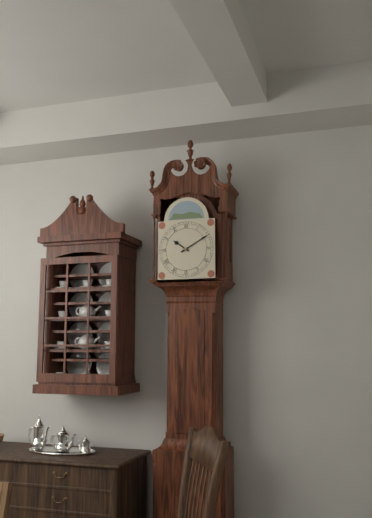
10:10
